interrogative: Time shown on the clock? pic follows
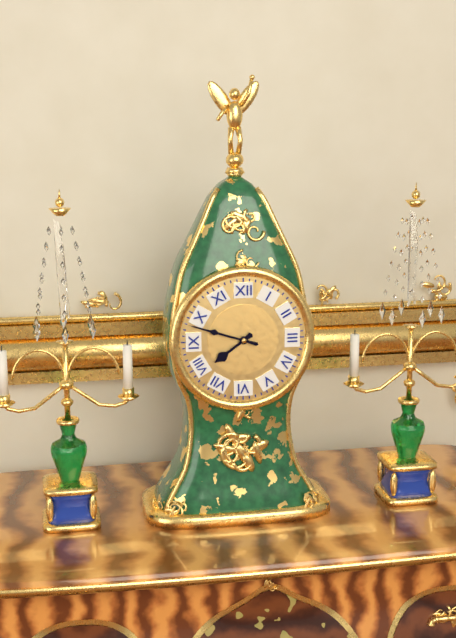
7:48
